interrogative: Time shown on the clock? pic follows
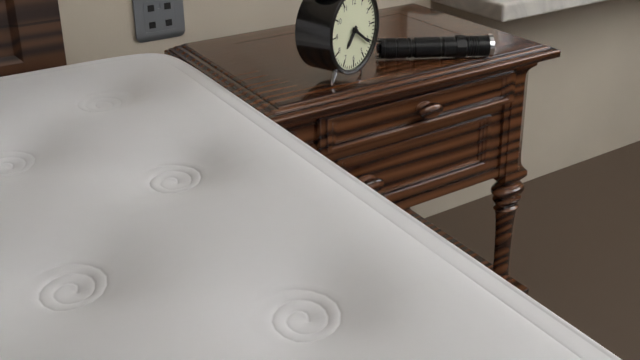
7:21
